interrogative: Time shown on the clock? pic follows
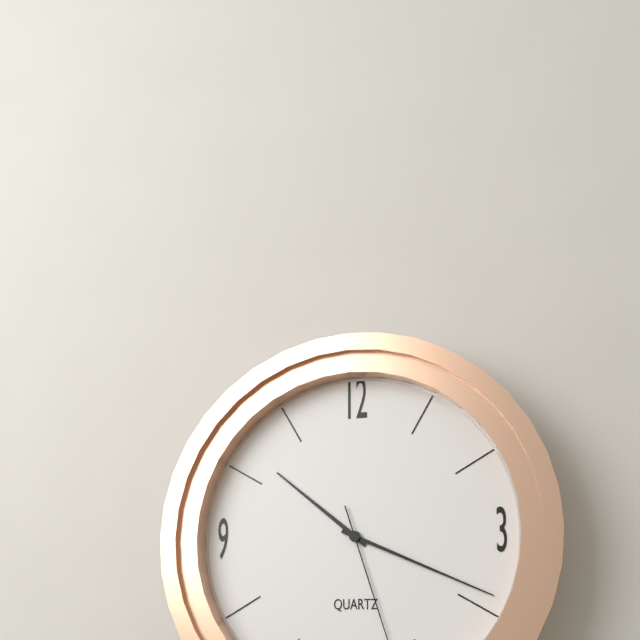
10:19
